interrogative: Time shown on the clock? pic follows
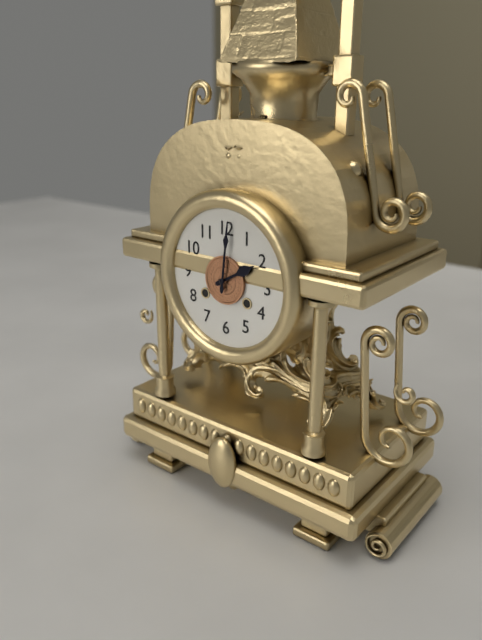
2:01
